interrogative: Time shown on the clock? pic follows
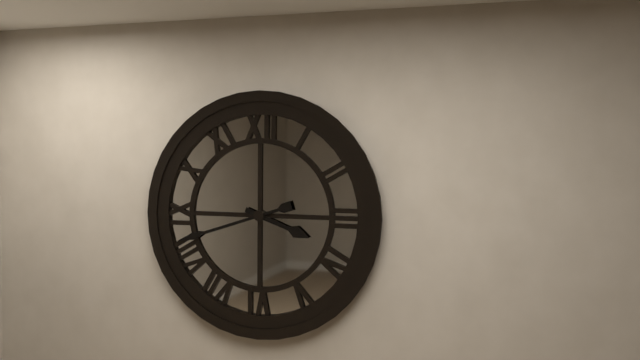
3:42
